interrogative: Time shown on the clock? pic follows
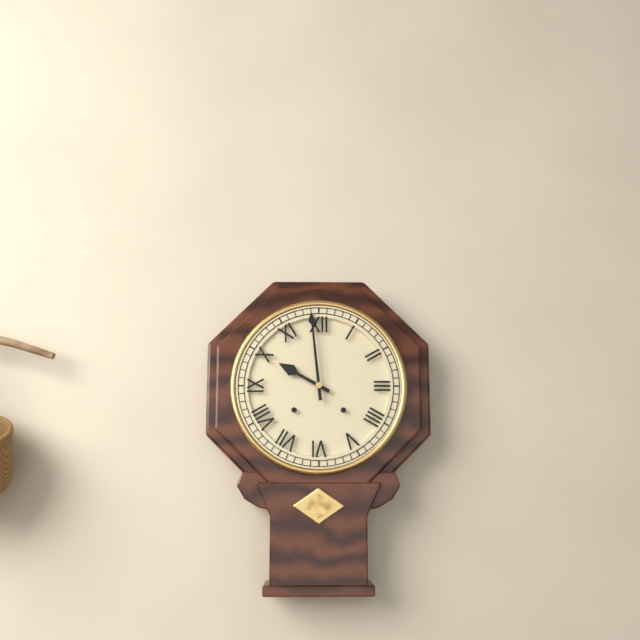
9:59
